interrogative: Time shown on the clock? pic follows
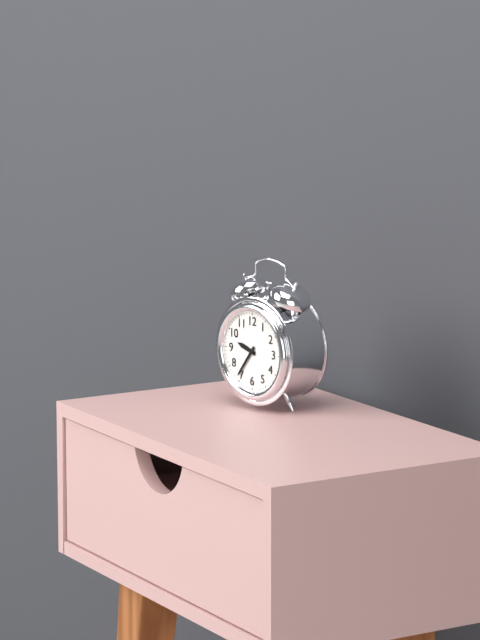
9:36
